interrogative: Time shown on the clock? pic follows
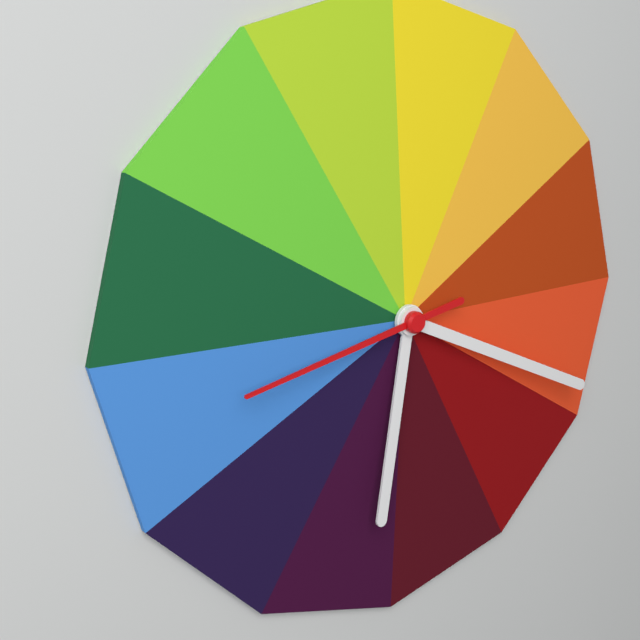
6:19:43
